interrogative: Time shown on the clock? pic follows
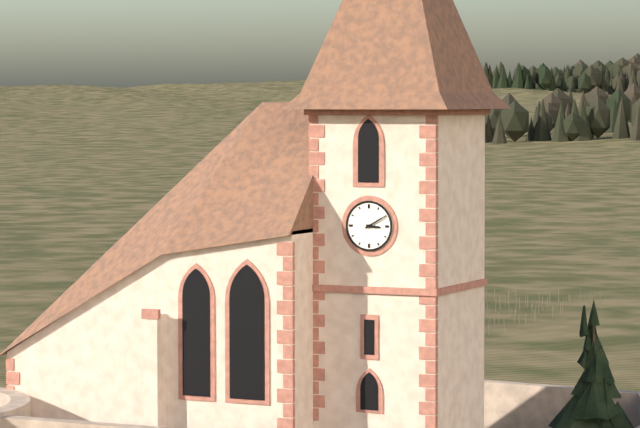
3:10
